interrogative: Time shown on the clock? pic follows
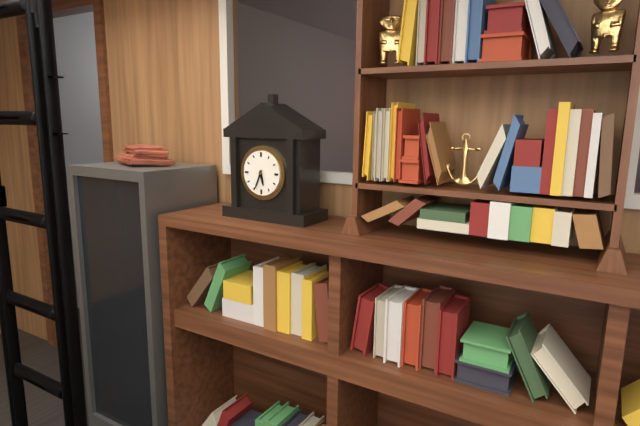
5:34
